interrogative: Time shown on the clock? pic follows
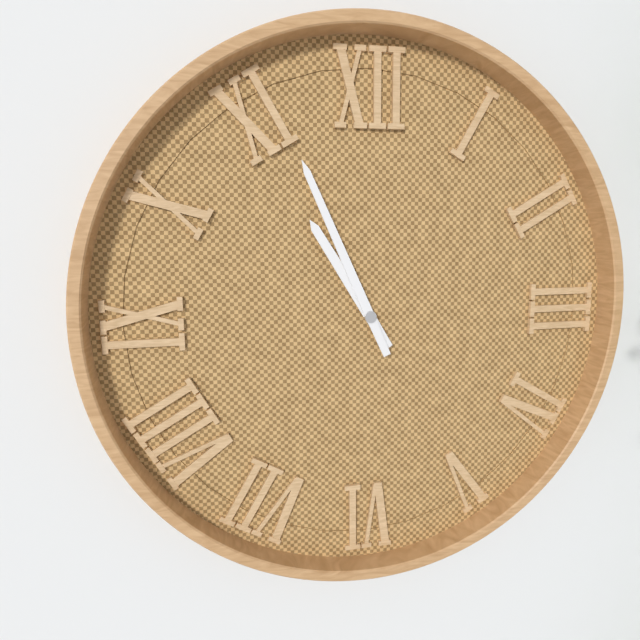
10:56
